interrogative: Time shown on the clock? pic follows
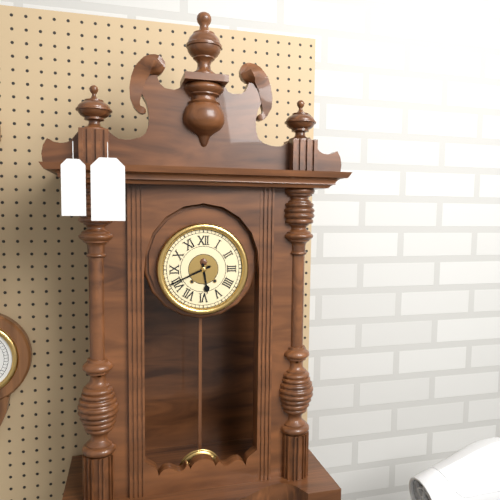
5:41
